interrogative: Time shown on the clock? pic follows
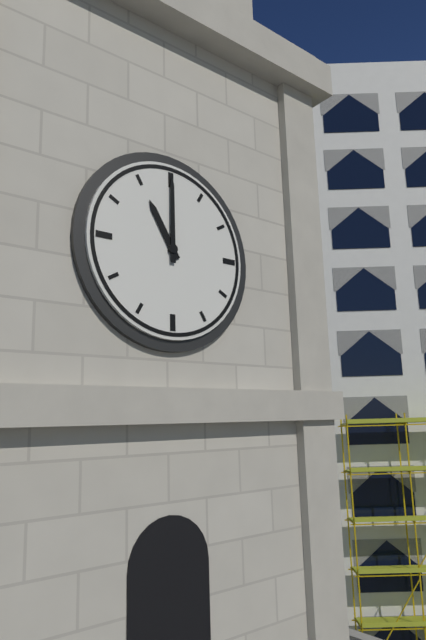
11:00
